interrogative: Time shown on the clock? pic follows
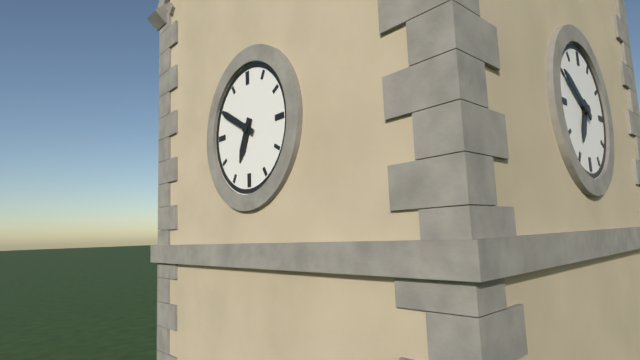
6:50
